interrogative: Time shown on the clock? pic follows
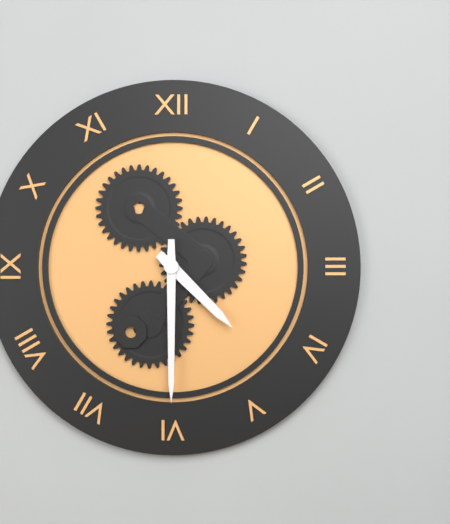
4:30
